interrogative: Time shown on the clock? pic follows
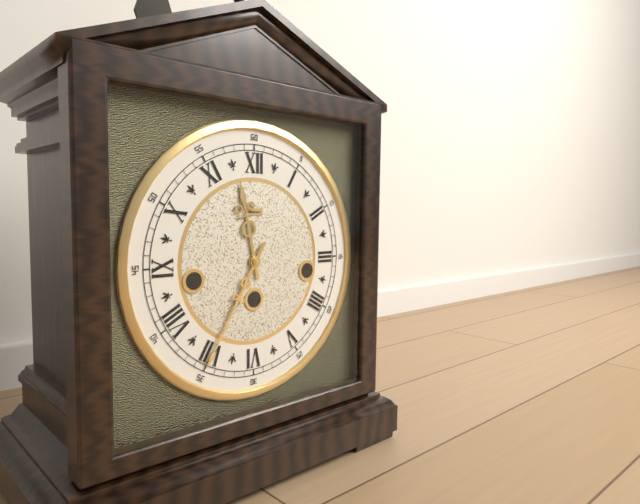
11:35
